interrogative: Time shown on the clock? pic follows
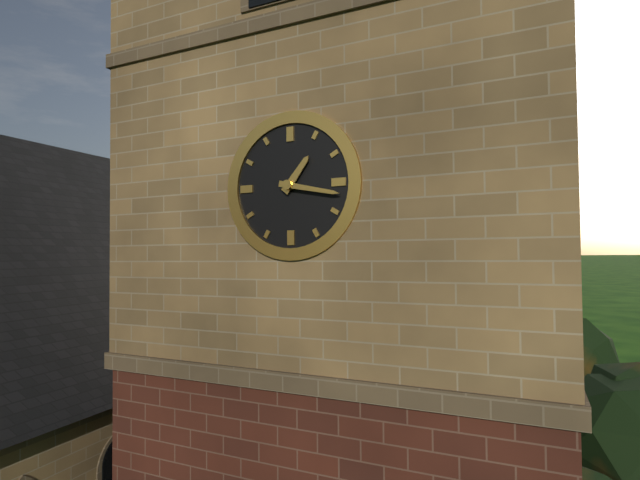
1:17
